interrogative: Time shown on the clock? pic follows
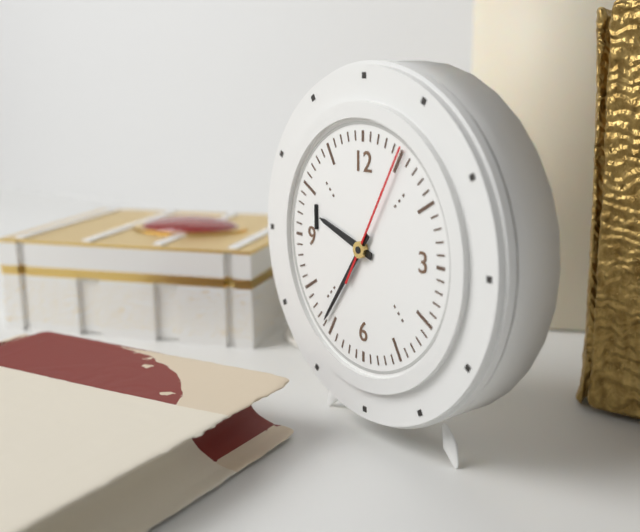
9:36:05
